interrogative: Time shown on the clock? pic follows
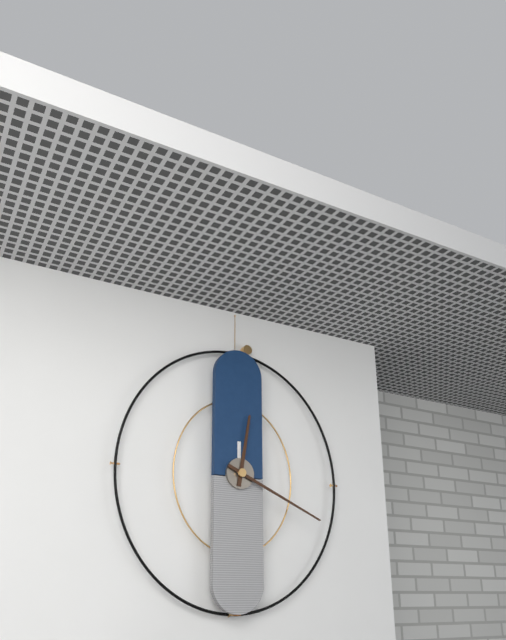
12:19
